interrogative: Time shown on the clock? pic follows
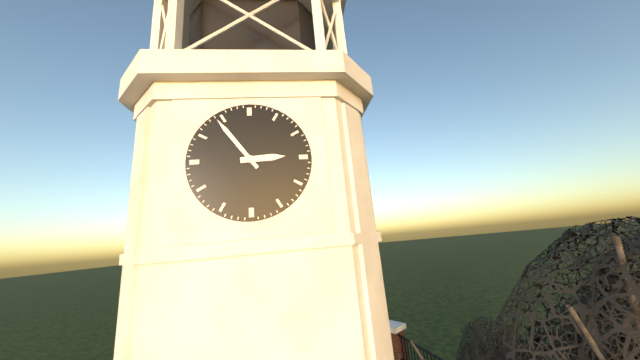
2:54
